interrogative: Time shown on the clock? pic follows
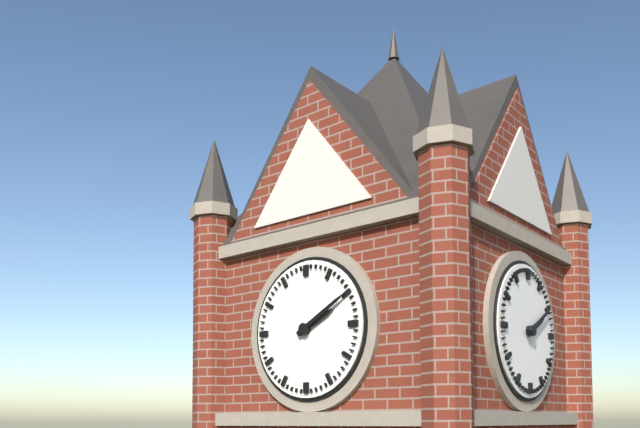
2:10
